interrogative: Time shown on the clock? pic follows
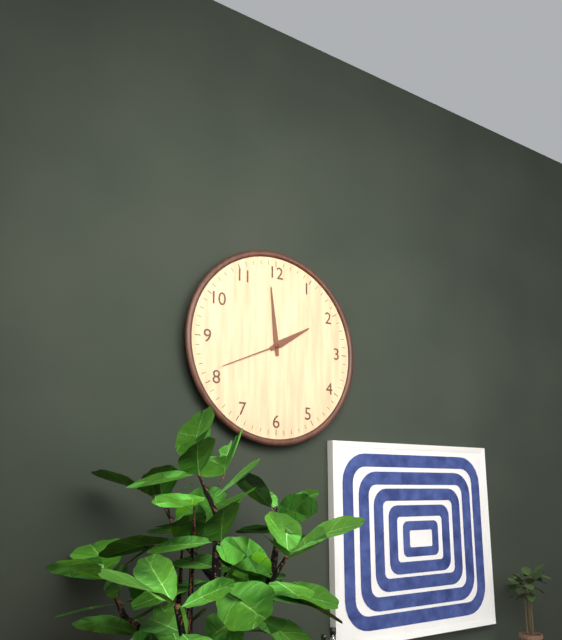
1:59:41
